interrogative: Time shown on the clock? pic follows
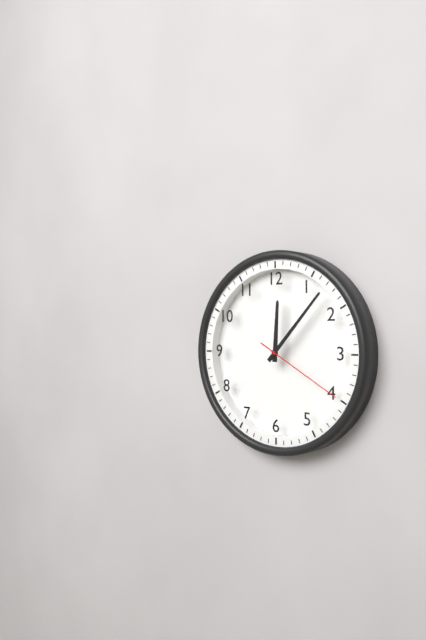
12:07:20
